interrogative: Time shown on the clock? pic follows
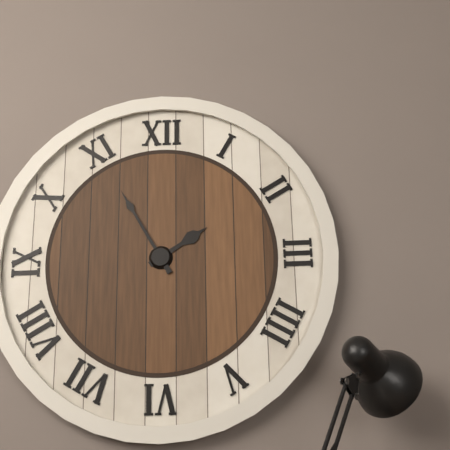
1:55
